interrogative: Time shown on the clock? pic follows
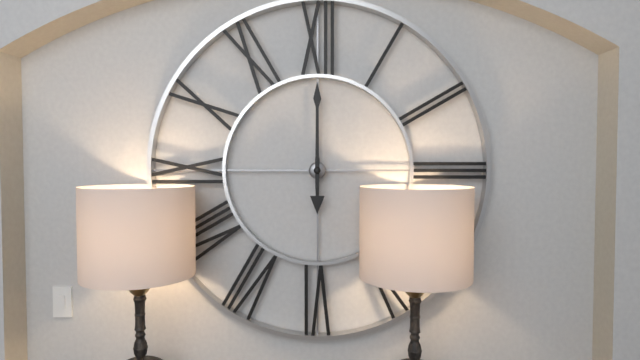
6:00
